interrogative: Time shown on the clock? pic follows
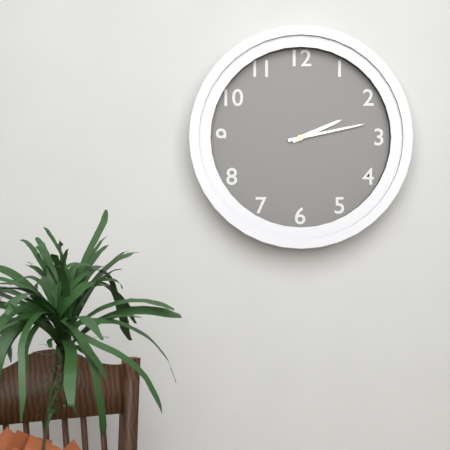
2:13
